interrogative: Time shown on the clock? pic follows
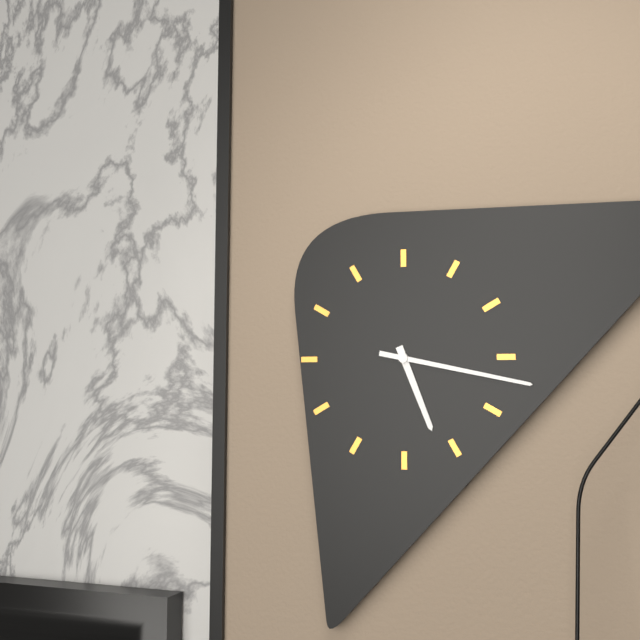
5:17
